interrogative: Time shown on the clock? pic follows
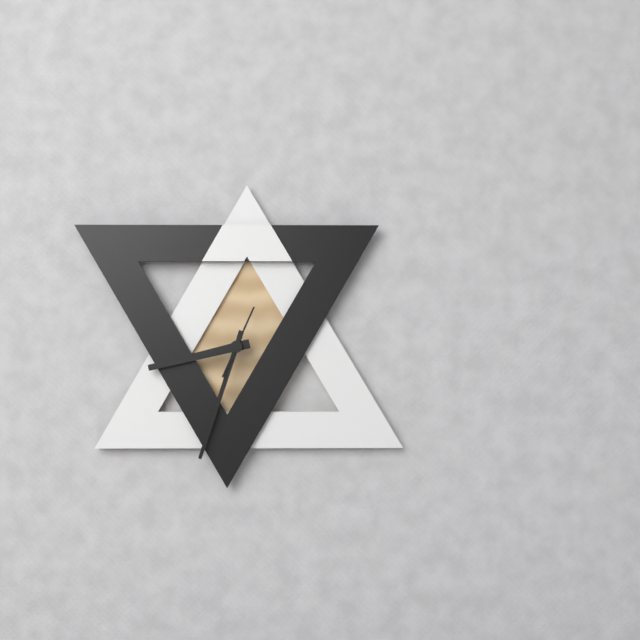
8:33:04
